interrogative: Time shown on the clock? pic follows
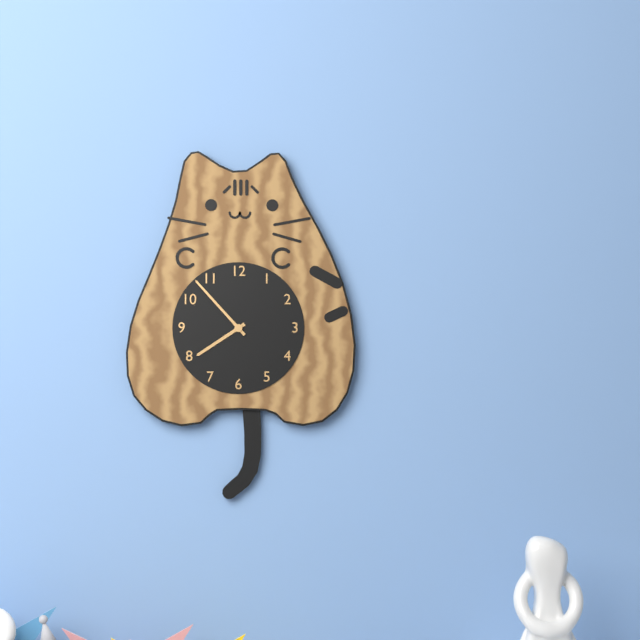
7:53
